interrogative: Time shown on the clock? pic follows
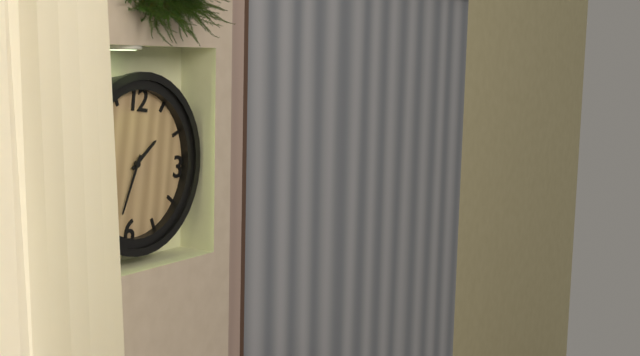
1:33
